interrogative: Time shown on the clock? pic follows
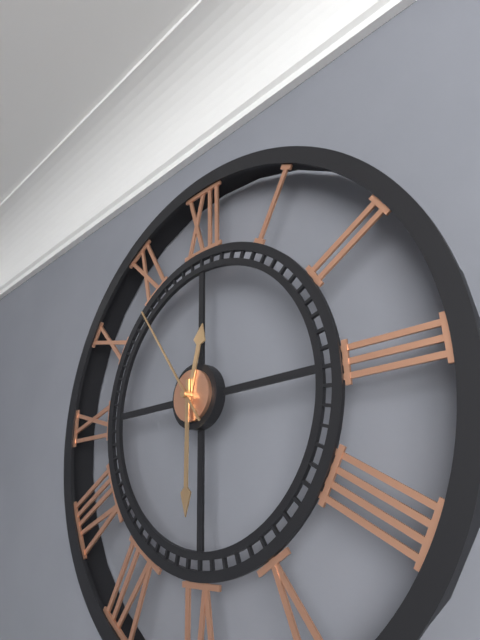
12:30:54
